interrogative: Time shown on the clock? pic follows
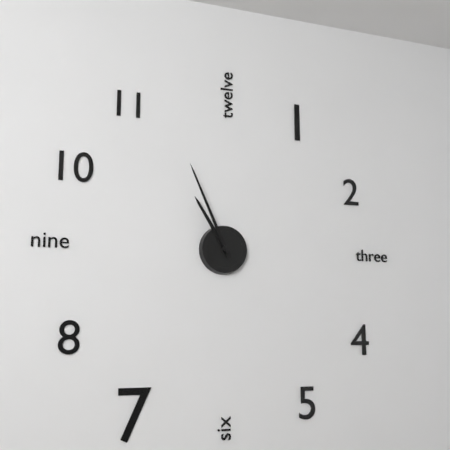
10:56
